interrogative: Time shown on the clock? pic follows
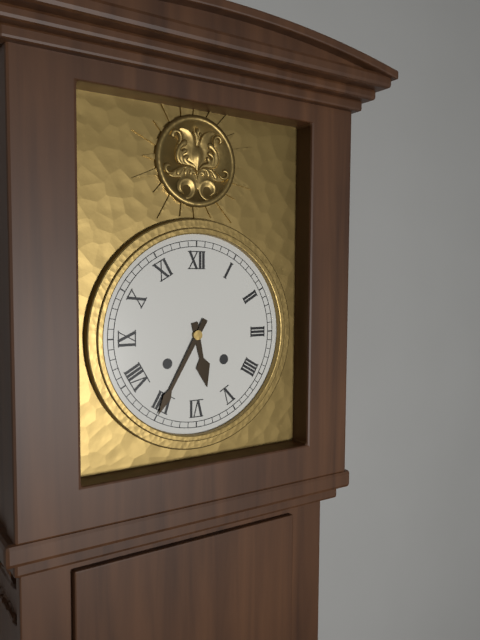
5:35
